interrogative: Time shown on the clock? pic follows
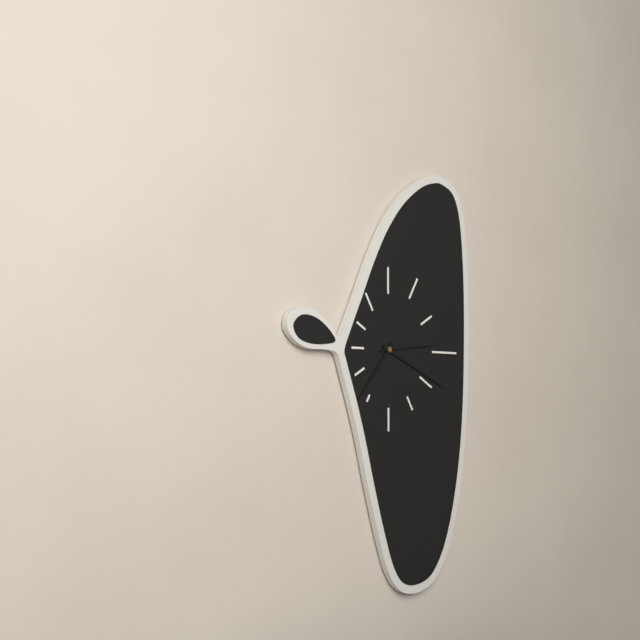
7:19:14
